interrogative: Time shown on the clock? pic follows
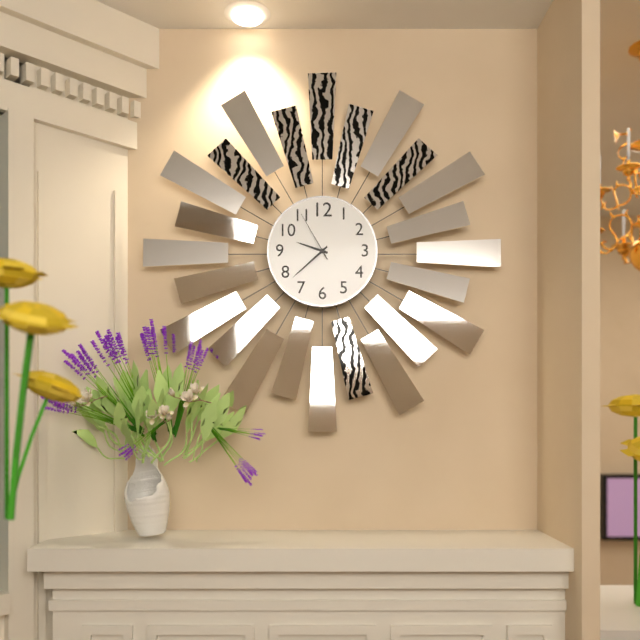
9:38:55
